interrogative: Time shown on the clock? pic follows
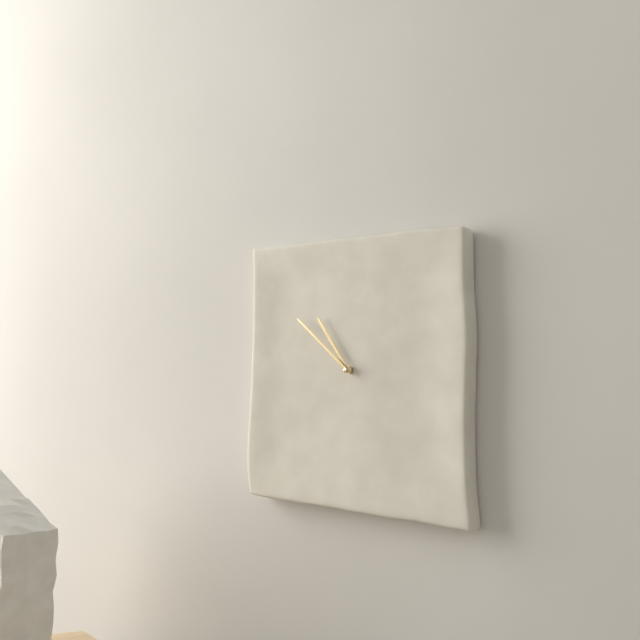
10:52
